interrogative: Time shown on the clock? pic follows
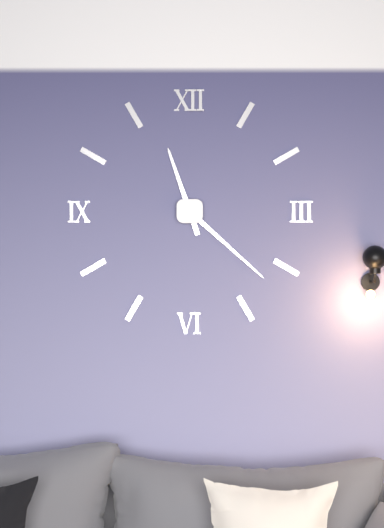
11:22
